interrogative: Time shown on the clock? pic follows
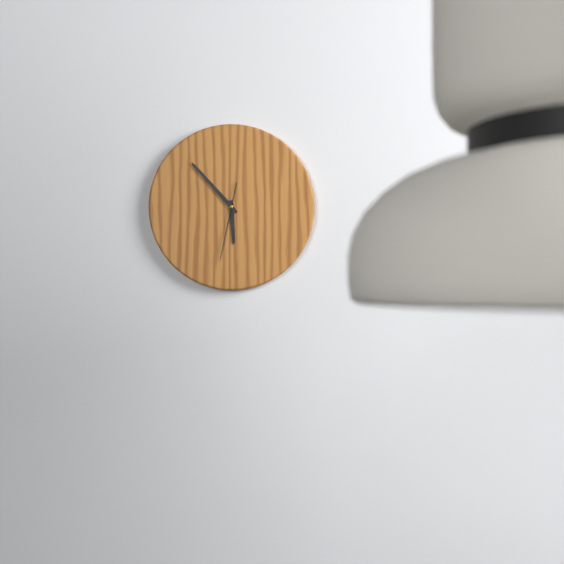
5:53:32
